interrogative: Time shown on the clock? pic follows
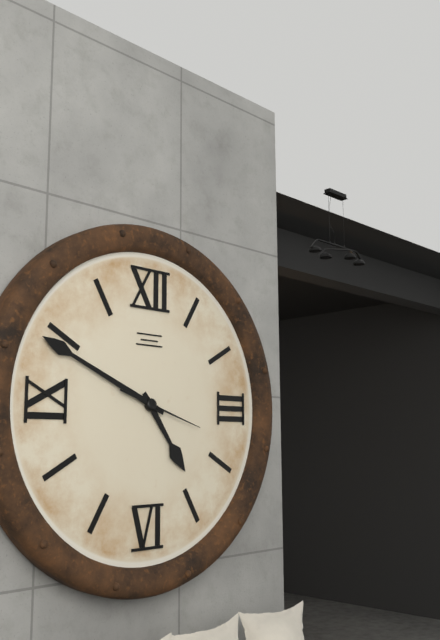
4:49:18
